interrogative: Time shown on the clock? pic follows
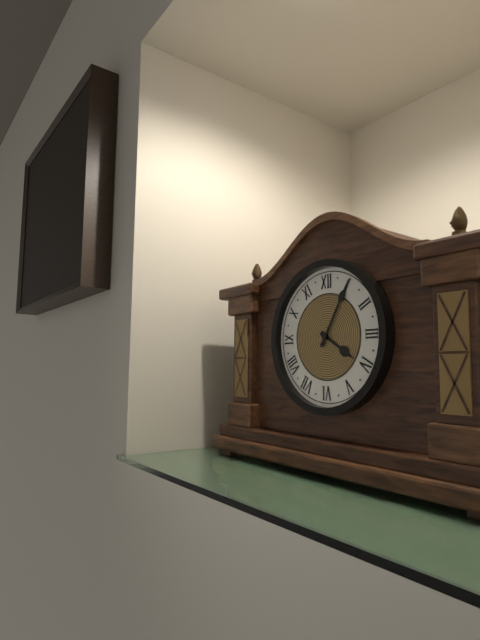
4:05
